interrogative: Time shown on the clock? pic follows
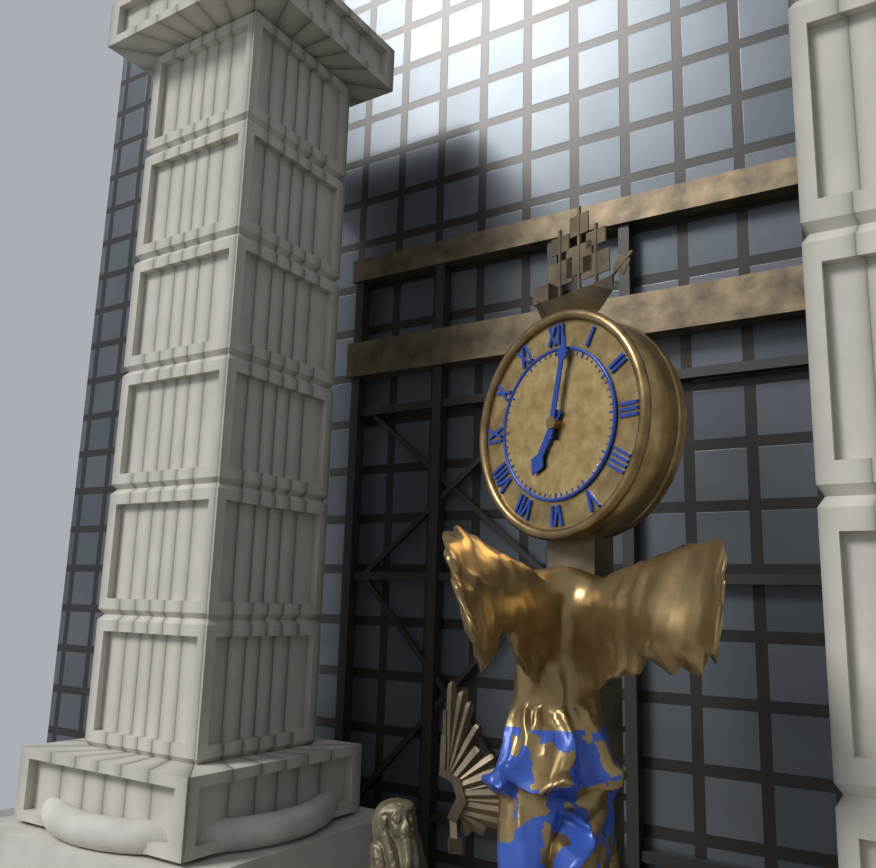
7:02
